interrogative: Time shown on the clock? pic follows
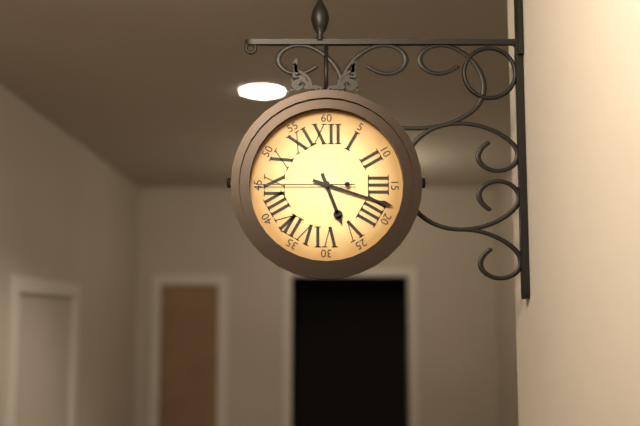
5:18:45
